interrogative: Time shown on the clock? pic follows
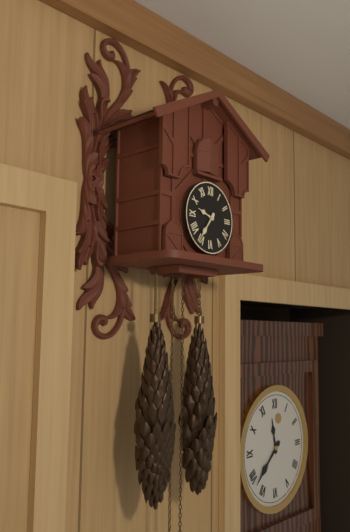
9:36
